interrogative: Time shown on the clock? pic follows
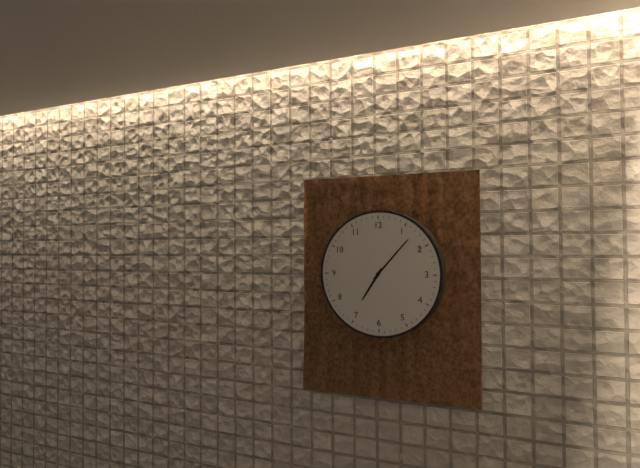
7:07
